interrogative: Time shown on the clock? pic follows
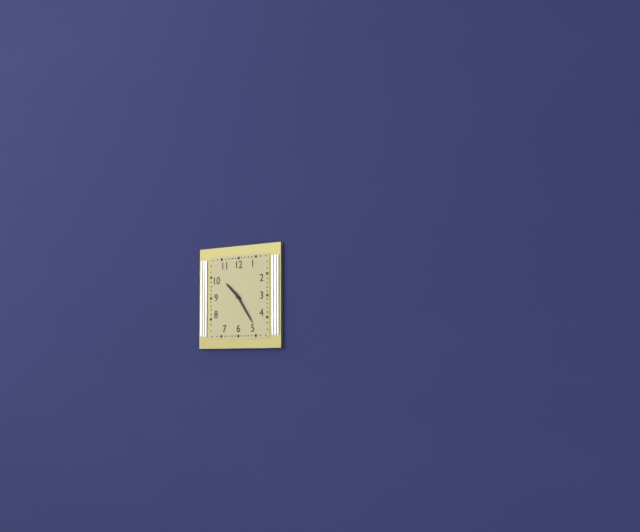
10:24
